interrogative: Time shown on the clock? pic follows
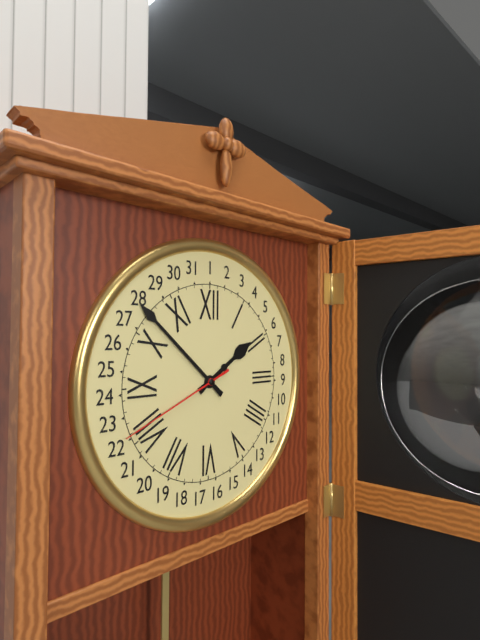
1:52:41
